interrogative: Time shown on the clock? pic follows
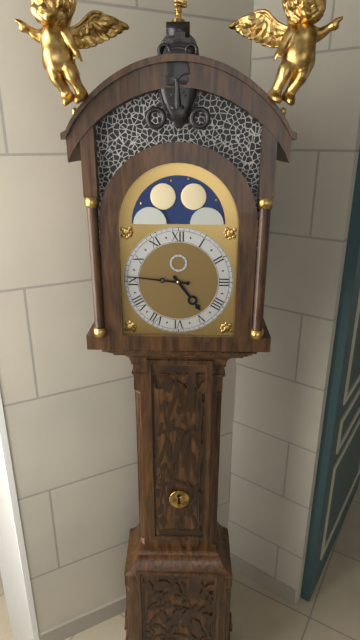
4:46
